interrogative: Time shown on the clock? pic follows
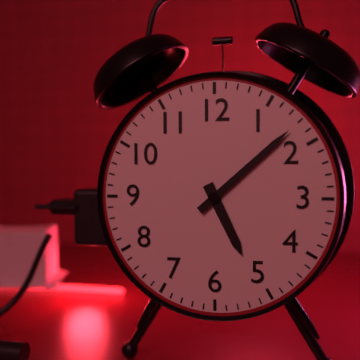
5:08
